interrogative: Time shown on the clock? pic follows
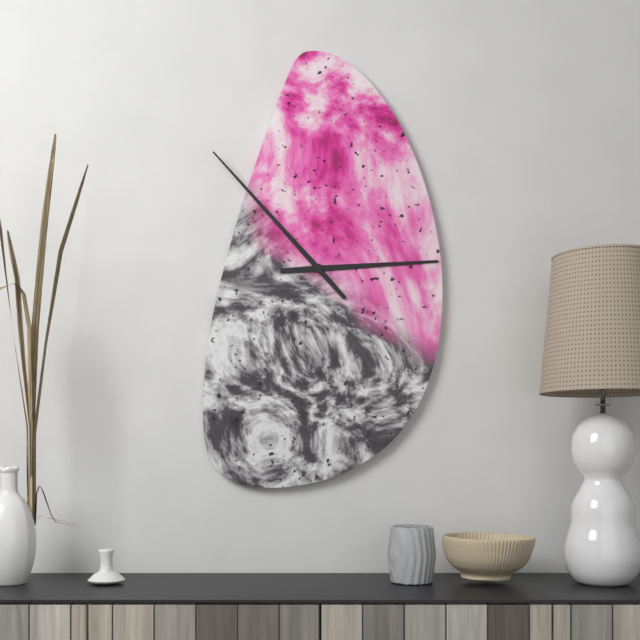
2:53
